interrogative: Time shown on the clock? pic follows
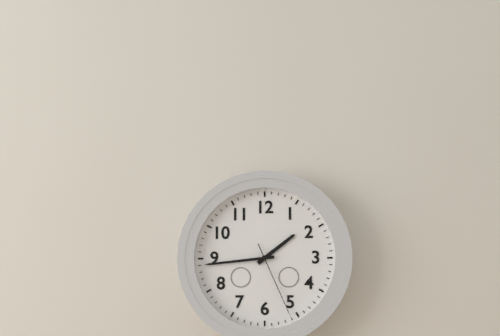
1:44:26
